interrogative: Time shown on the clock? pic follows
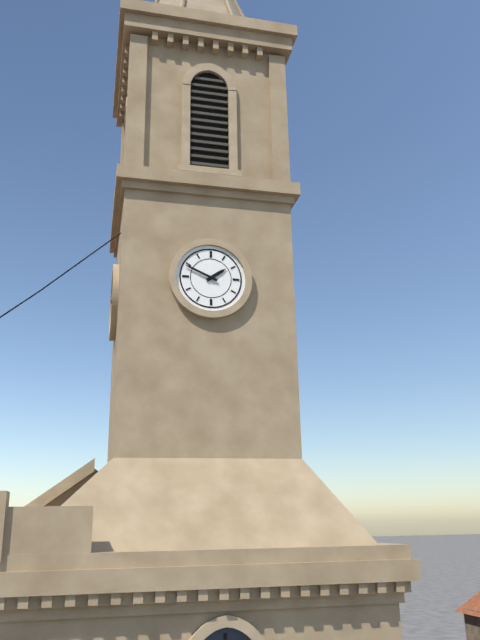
1:49
